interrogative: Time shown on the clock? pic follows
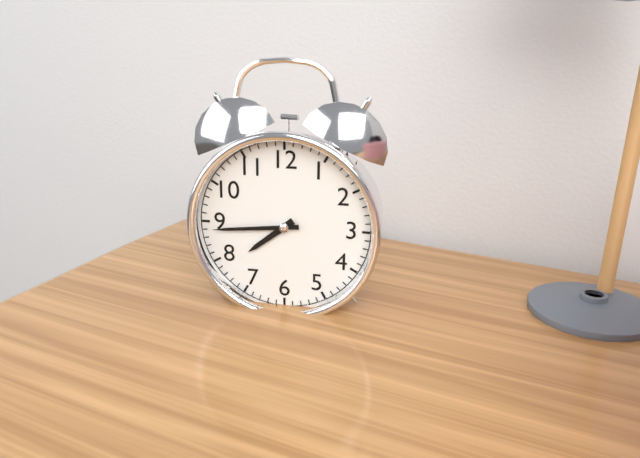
7:44
